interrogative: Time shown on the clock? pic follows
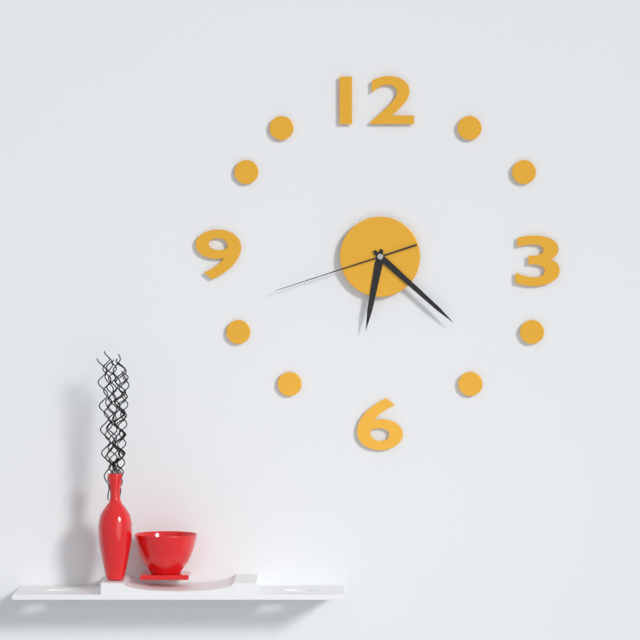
6:22:42
